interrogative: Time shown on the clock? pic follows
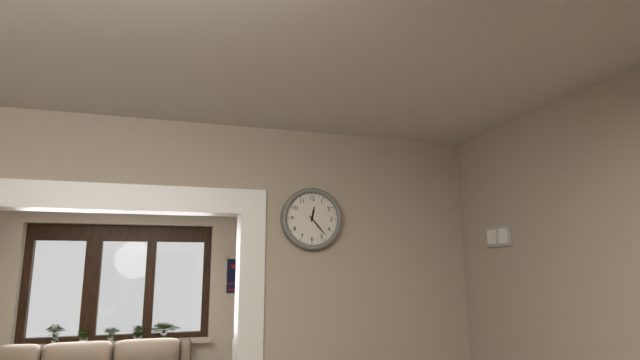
12:23
